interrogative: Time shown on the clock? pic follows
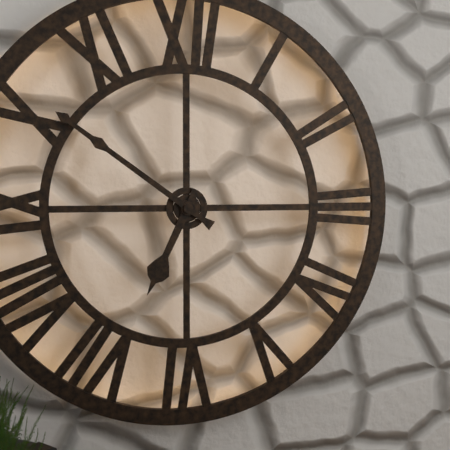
6:51
